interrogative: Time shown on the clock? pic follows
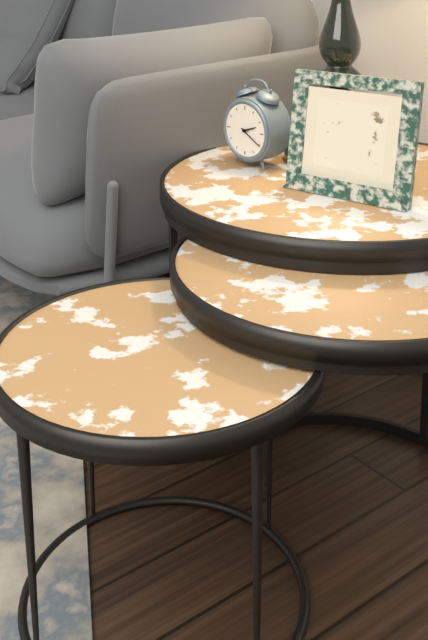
2:20
